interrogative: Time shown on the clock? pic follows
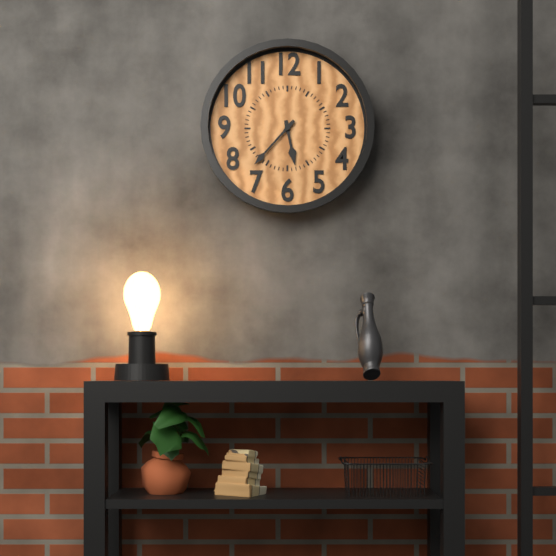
5:37
